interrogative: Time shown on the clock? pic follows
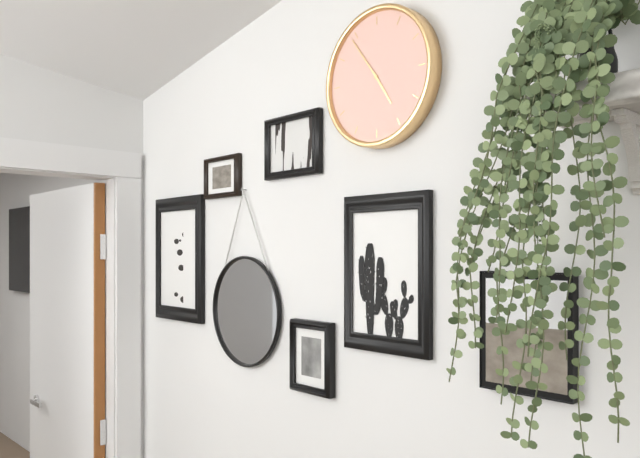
4:54
